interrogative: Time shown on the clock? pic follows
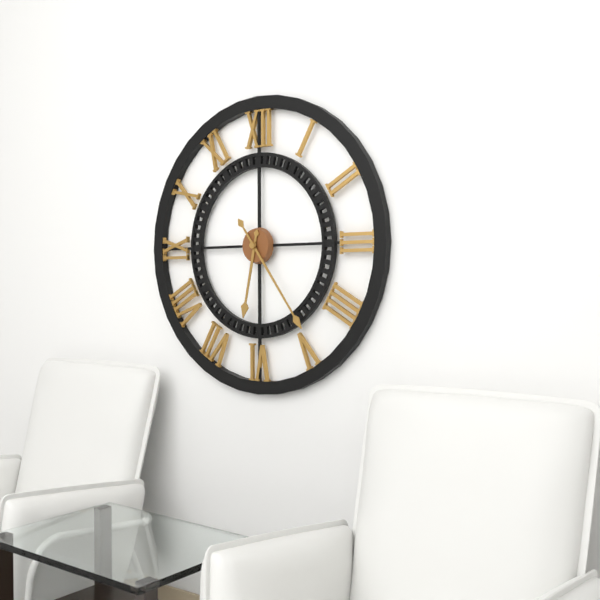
6:24
